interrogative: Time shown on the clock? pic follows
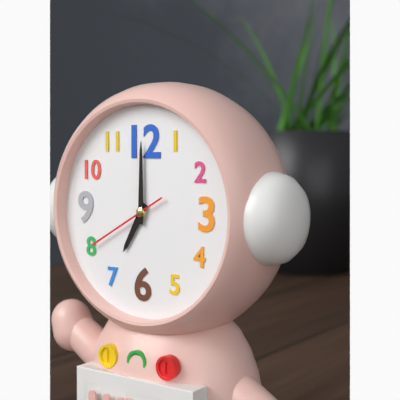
7:00:40
